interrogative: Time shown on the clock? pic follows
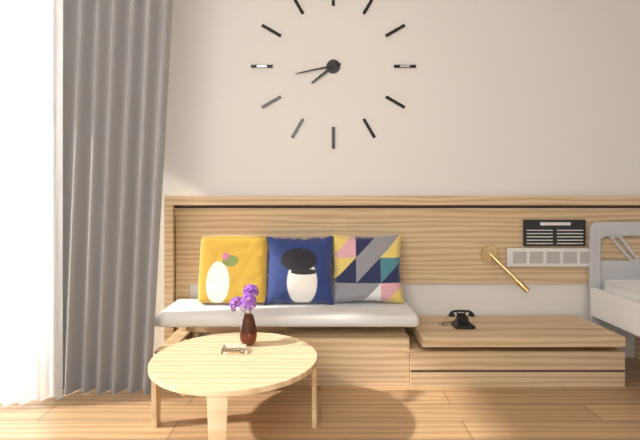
7:43
